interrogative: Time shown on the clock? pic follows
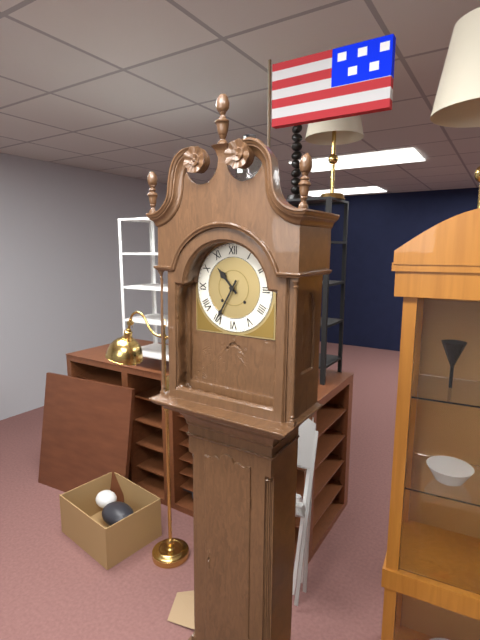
10:35
